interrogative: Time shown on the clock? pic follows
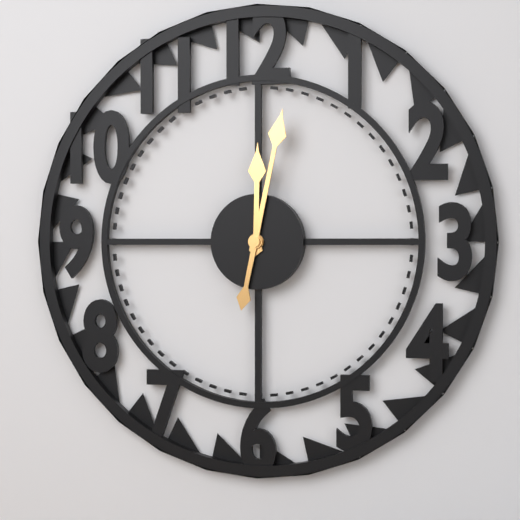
12:02
